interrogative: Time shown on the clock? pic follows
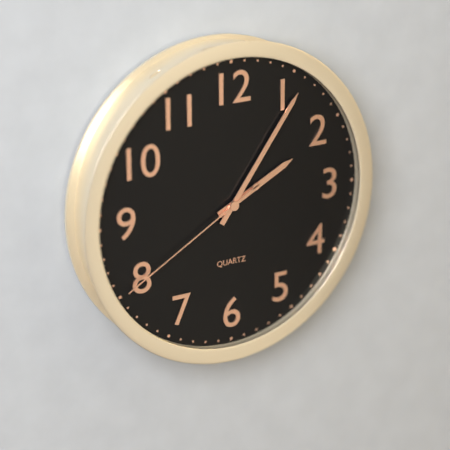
2:06:40
